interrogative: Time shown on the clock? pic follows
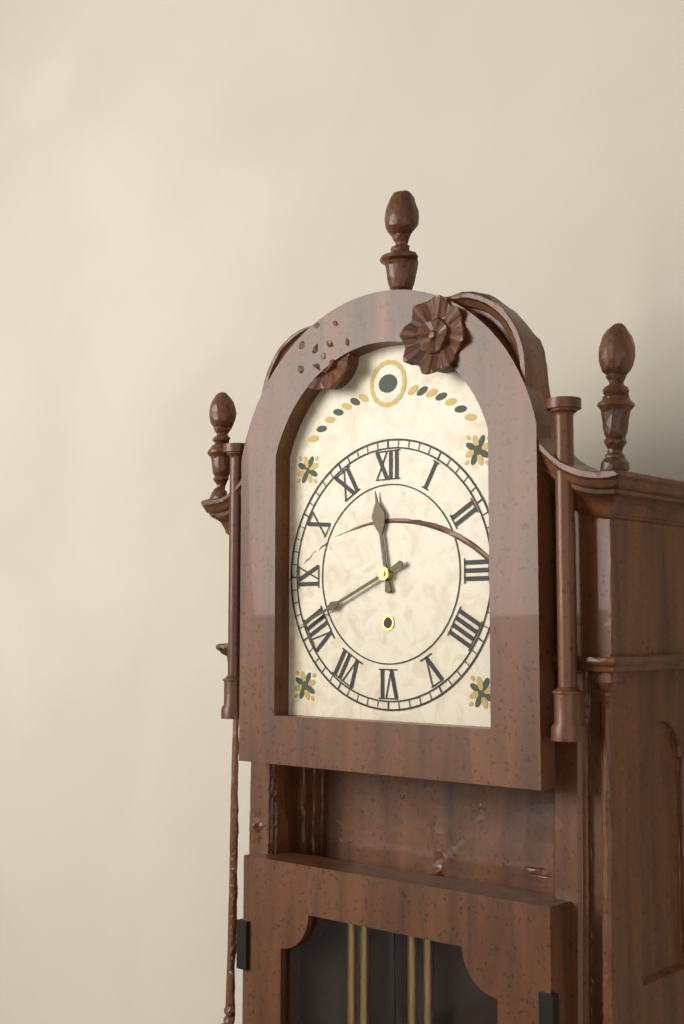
11:41
